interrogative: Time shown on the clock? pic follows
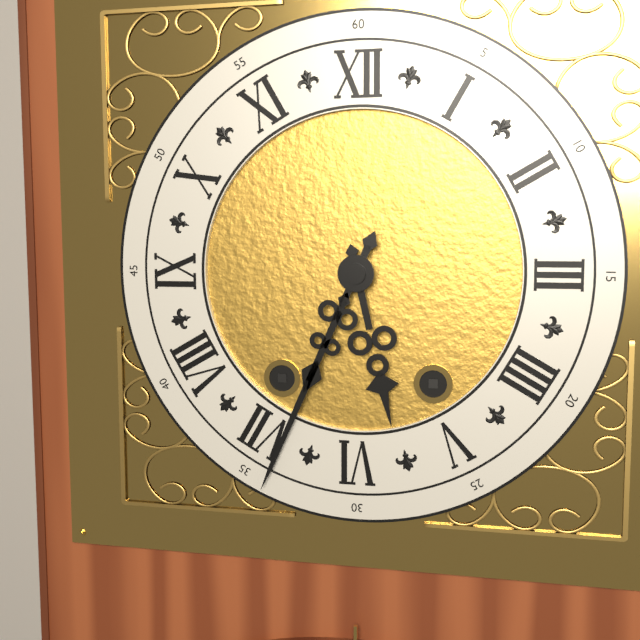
5:34
